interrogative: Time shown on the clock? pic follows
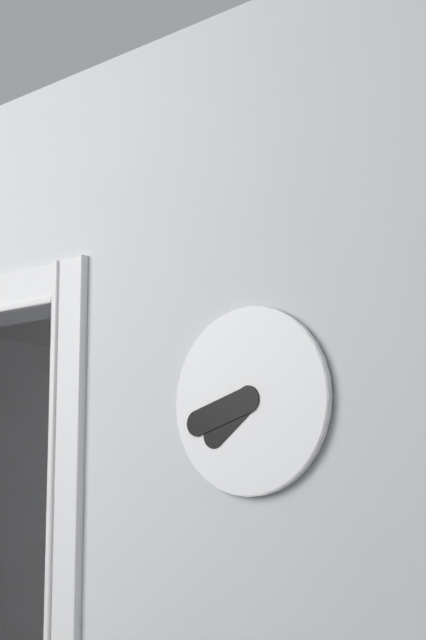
7:42
